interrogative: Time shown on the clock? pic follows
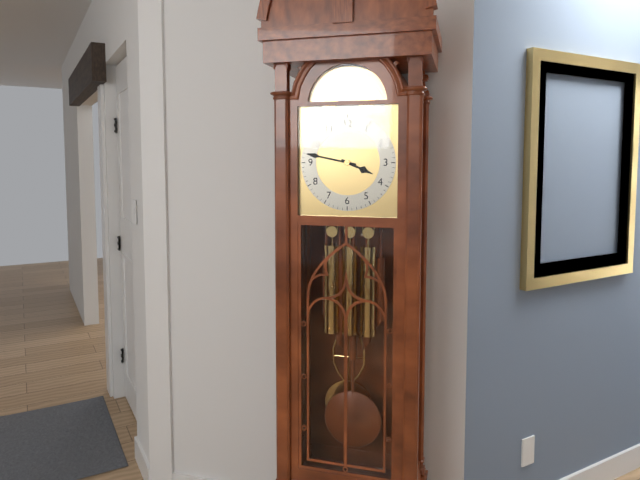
3:47
